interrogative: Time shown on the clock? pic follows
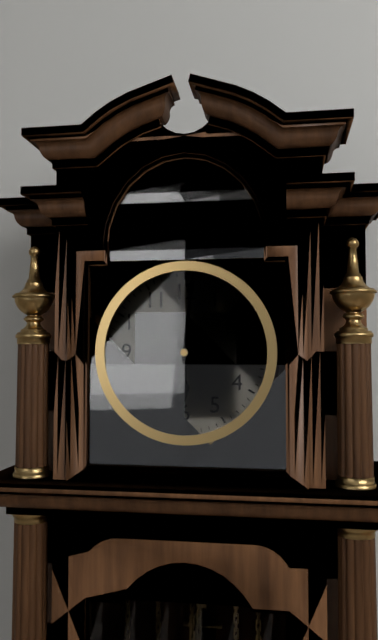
6:01
